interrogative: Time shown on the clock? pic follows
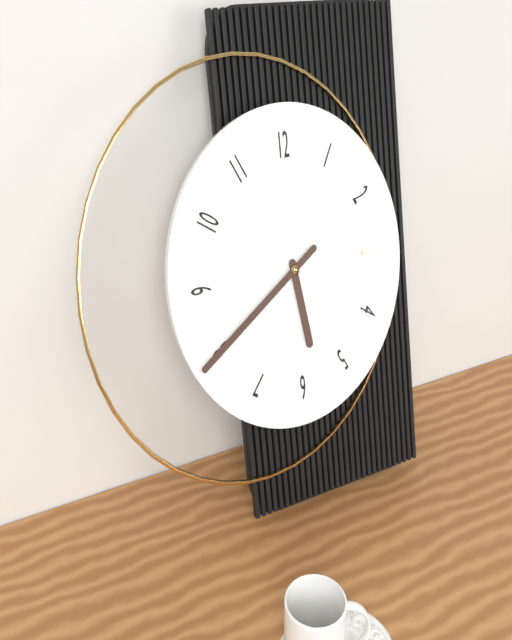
5:40
